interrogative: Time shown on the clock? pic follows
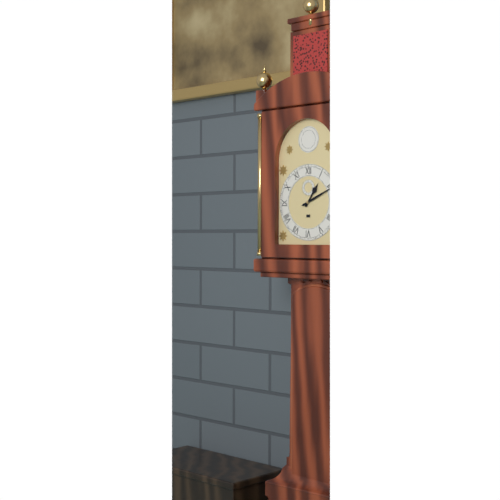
1:11
